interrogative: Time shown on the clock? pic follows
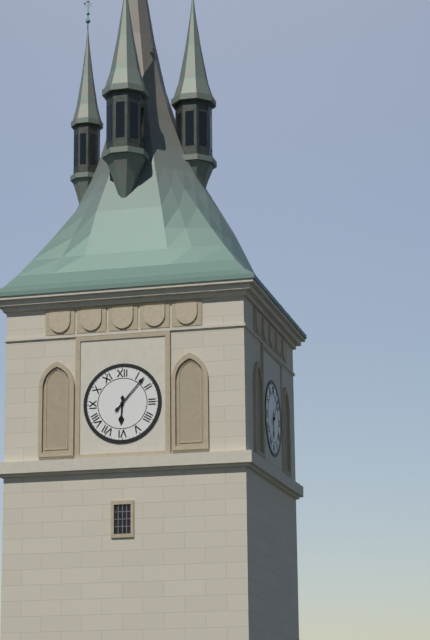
6:07
